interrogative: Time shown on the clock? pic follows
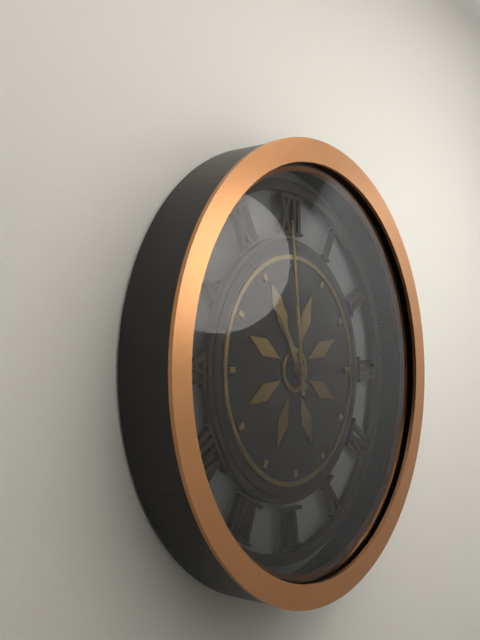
10:59
